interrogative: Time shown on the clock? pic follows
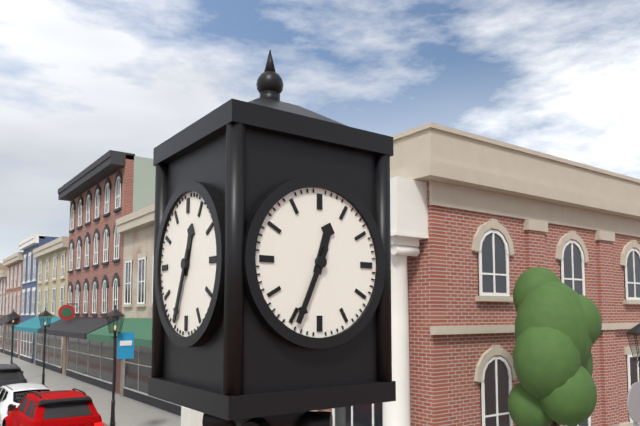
12:34
